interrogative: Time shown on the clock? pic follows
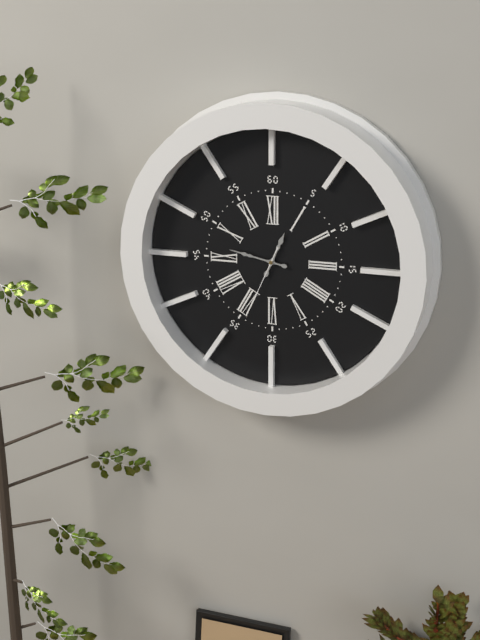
12:47:34
